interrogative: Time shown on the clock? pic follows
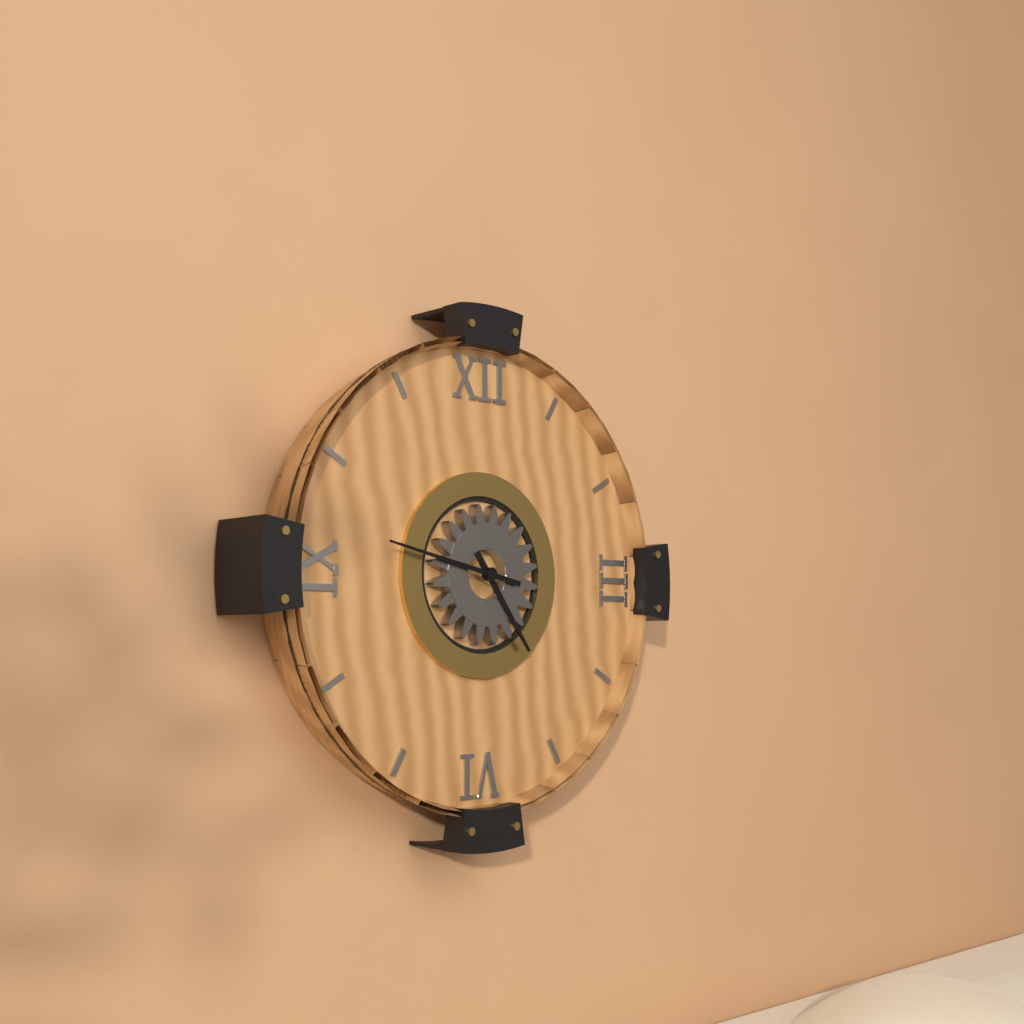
4:47
